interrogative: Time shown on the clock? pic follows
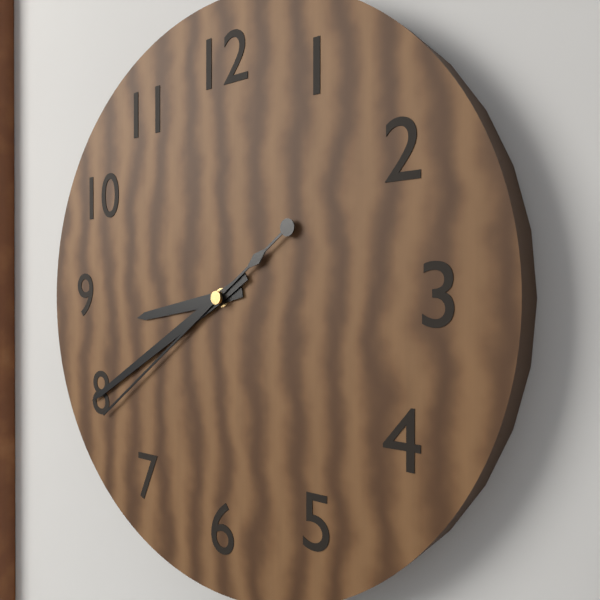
8:40:39
